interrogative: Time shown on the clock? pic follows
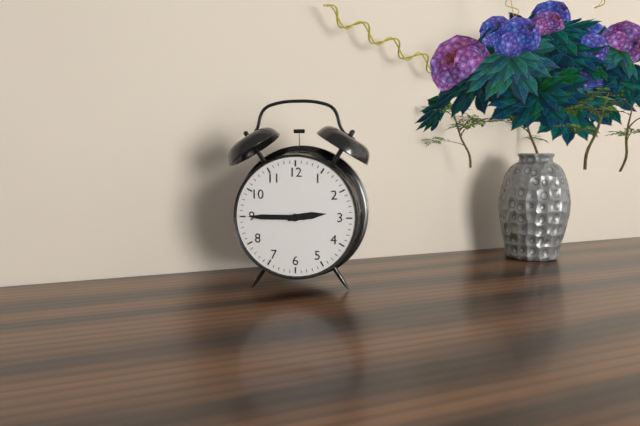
2:45
